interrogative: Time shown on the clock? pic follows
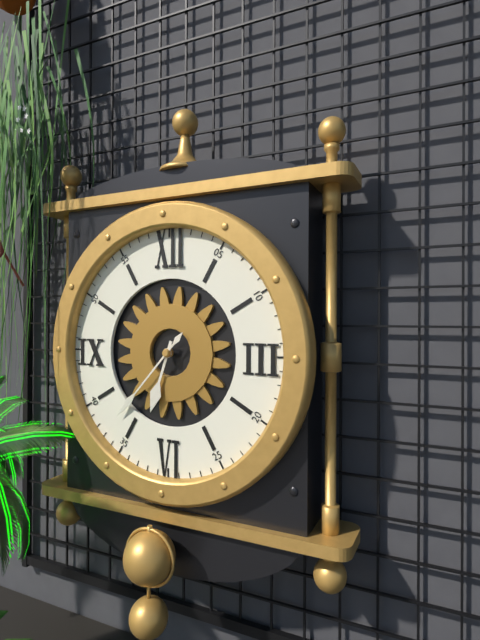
6:37
